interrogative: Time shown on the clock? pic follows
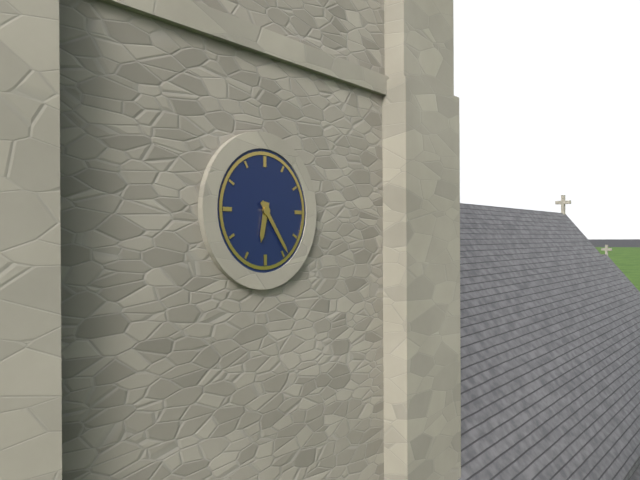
6:24
